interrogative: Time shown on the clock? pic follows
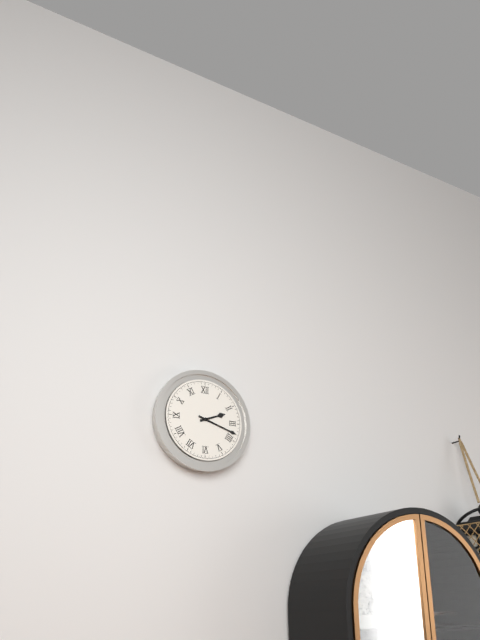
2:18
